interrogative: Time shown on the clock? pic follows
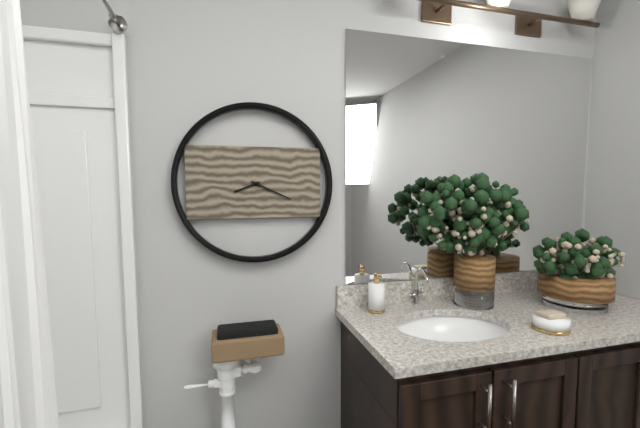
8:19
